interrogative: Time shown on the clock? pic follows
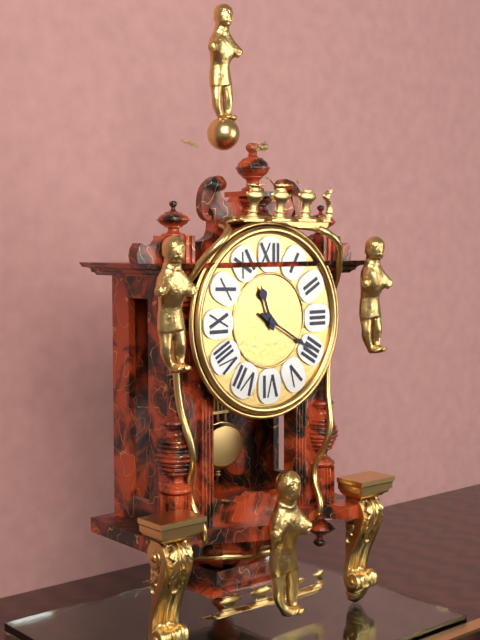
11:20
